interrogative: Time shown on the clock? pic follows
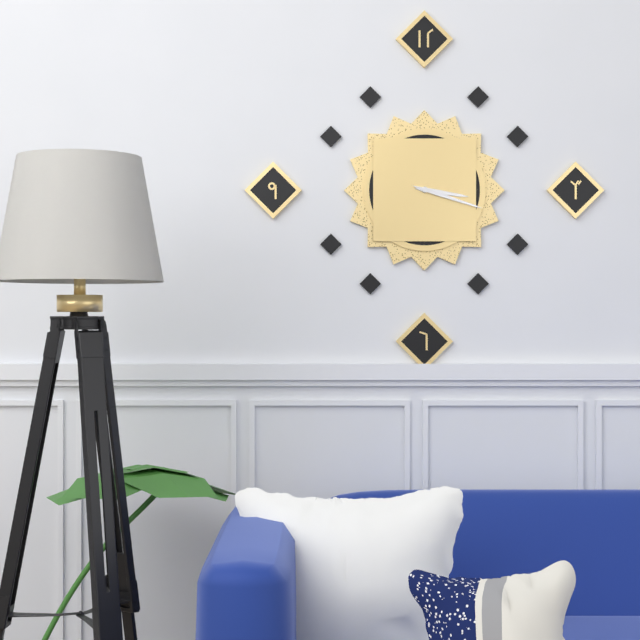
3:18
